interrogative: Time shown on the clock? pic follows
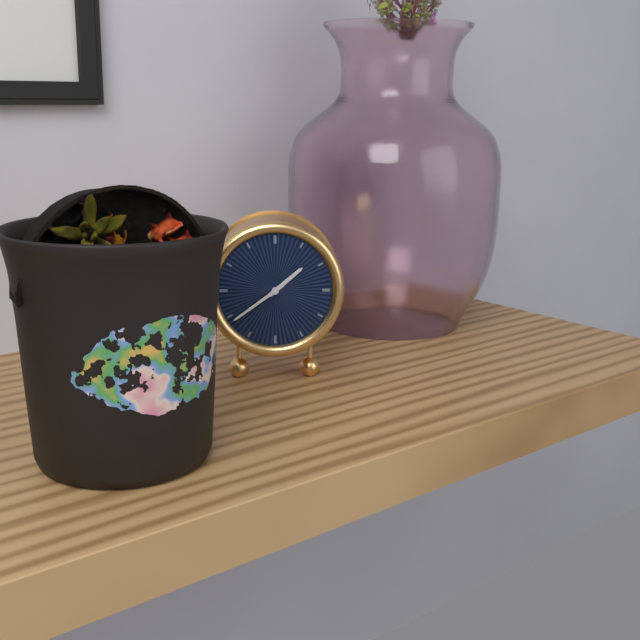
1:39
